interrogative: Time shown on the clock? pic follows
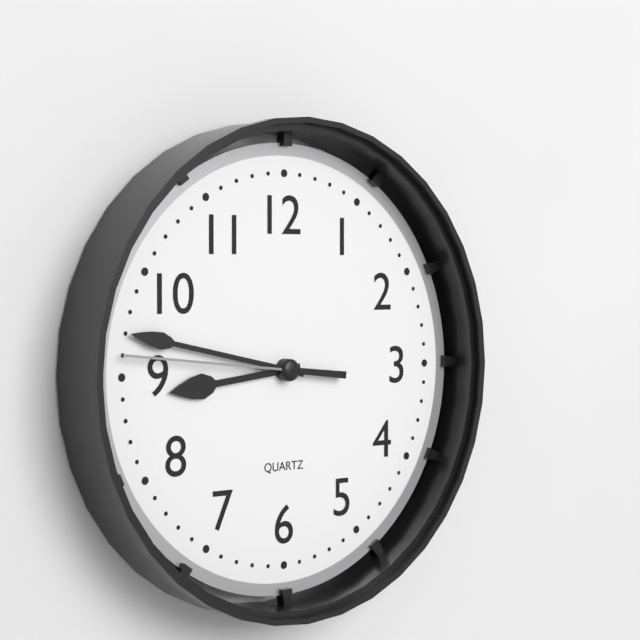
8:47:46
